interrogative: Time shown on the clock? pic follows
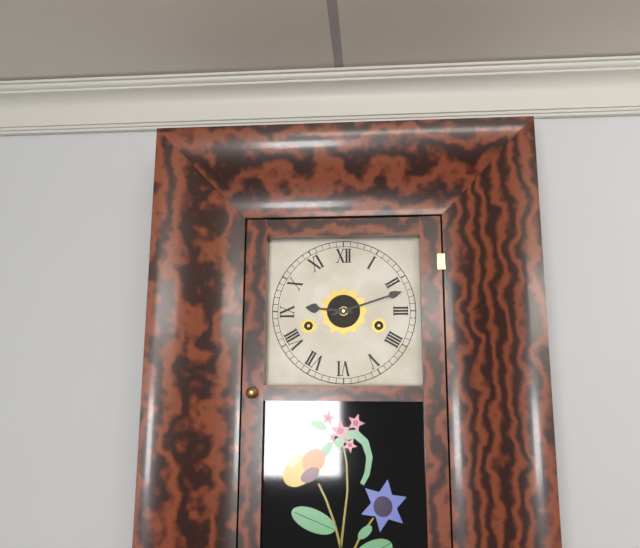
9:12
